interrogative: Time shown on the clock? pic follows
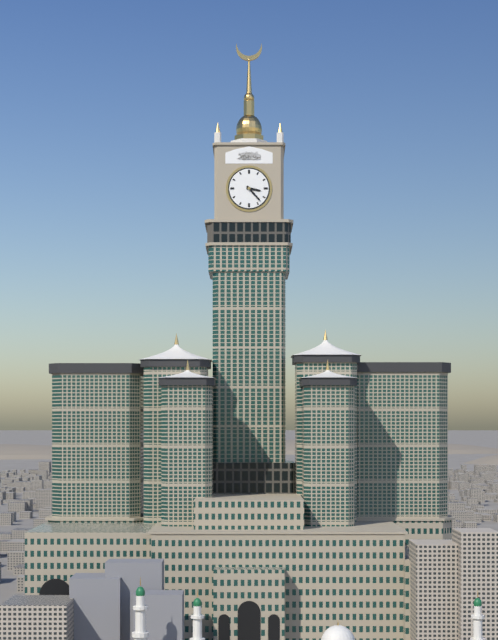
3:23
